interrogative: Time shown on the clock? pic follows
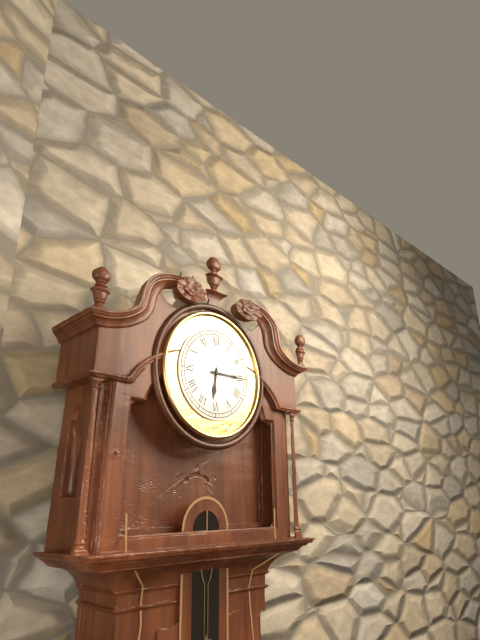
6:15
